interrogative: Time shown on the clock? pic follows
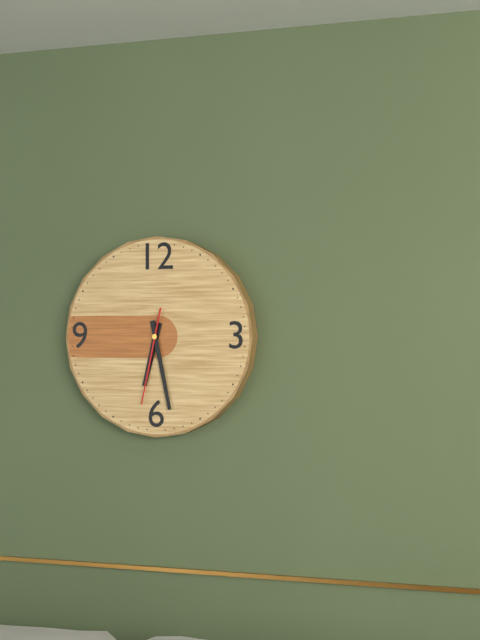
6:28:32
